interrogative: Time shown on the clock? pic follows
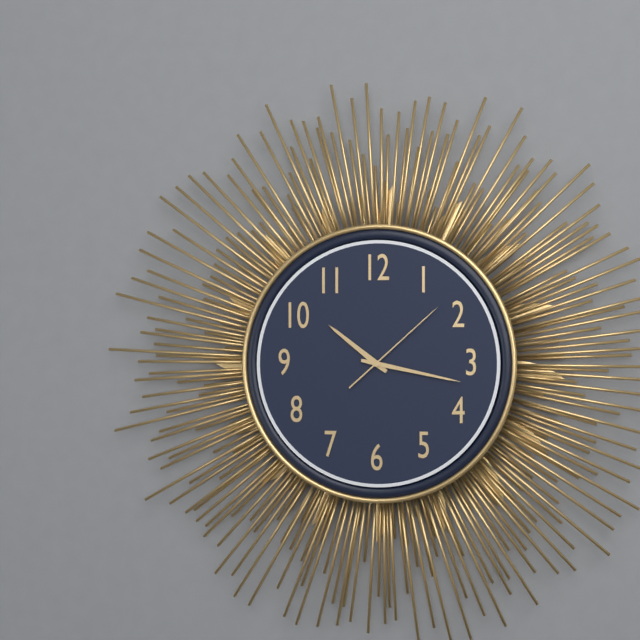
10:17:08
